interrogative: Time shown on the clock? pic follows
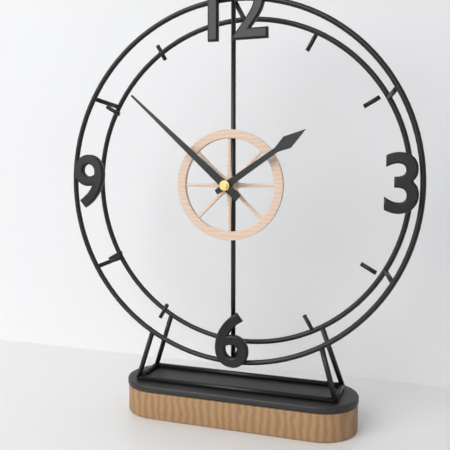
1:52
